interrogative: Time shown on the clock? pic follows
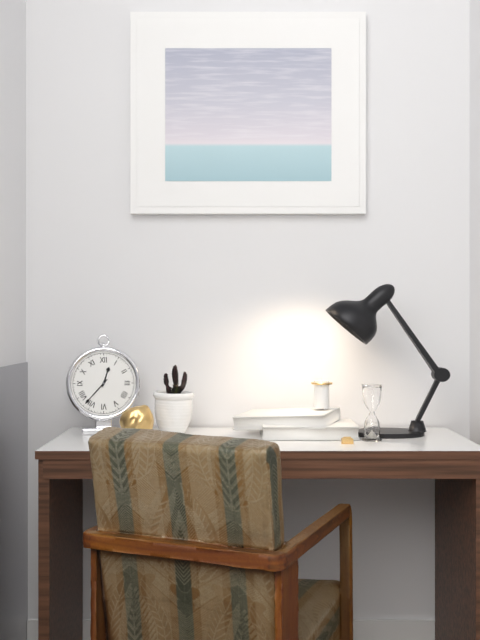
12:37
